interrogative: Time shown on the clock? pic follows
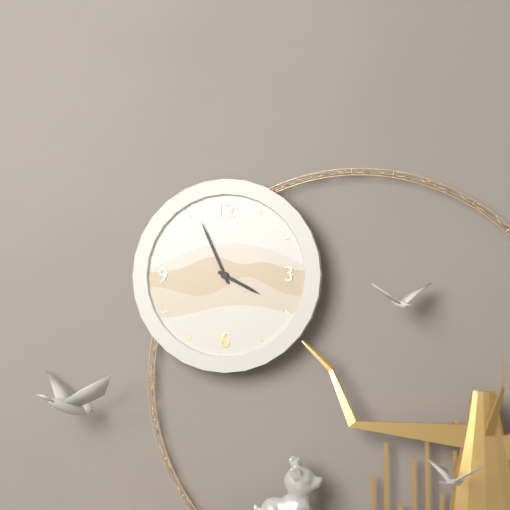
3:56
